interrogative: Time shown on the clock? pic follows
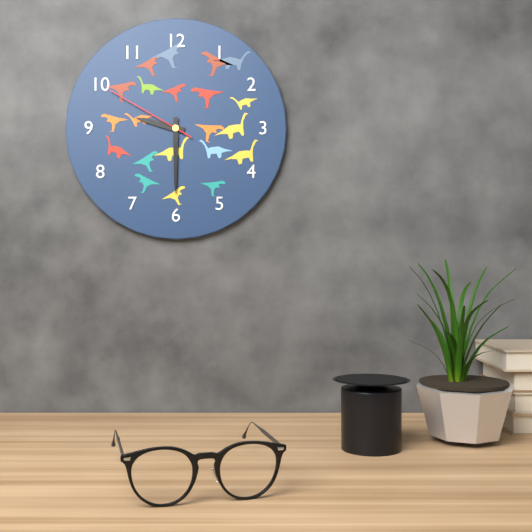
9:30:50
